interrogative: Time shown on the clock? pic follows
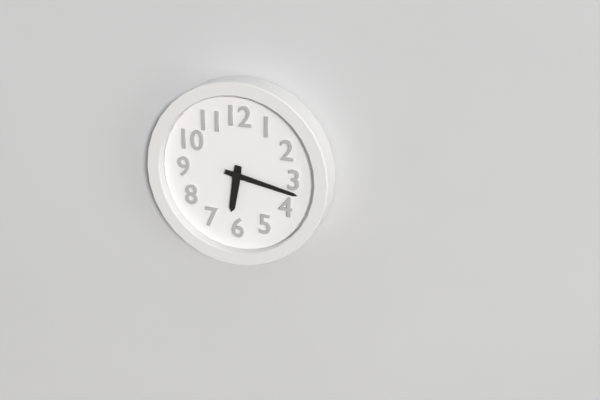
6:17
